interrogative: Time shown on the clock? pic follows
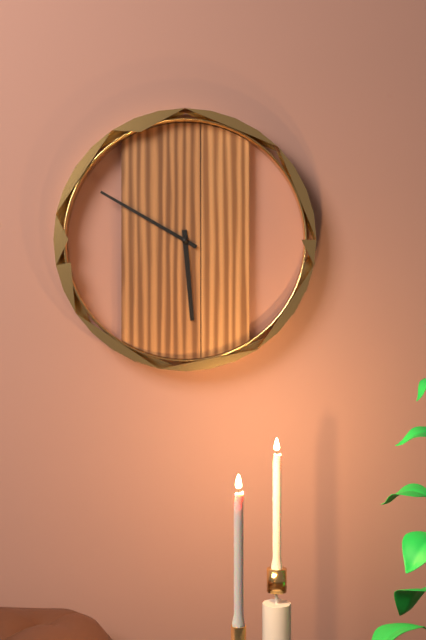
5:50
